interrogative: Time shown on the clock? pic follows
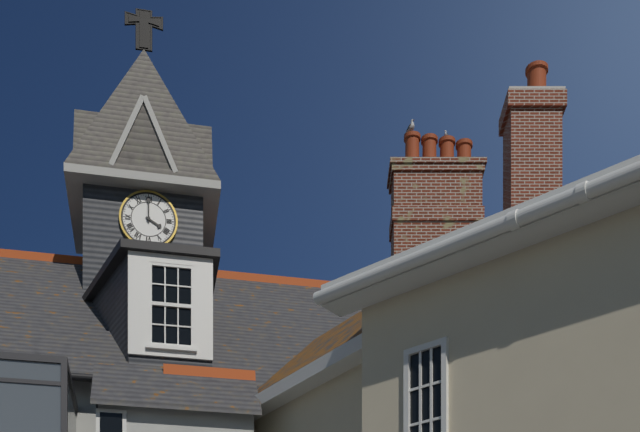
4:00
